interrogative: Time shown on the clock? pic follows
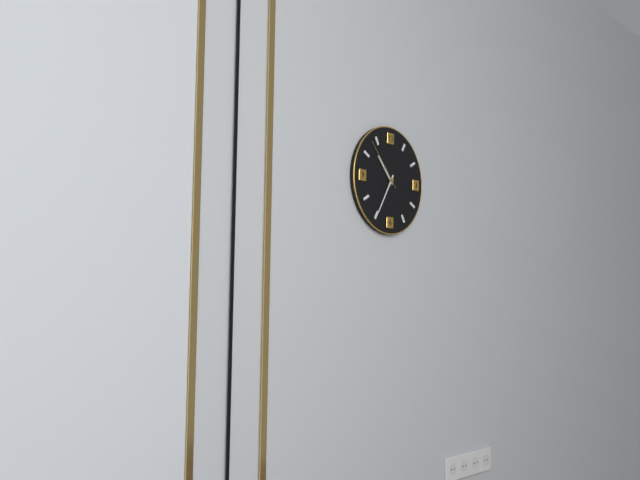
10:35:53
